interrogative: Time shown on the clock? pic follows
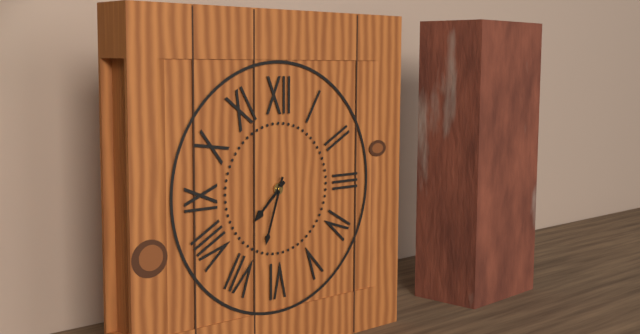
7:33
